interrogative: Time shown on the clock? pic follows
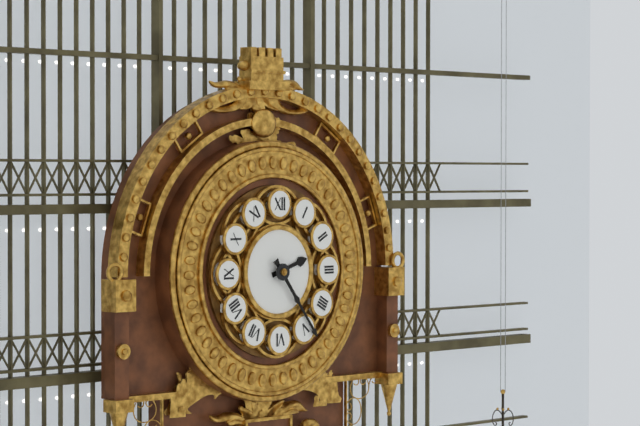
2:24
